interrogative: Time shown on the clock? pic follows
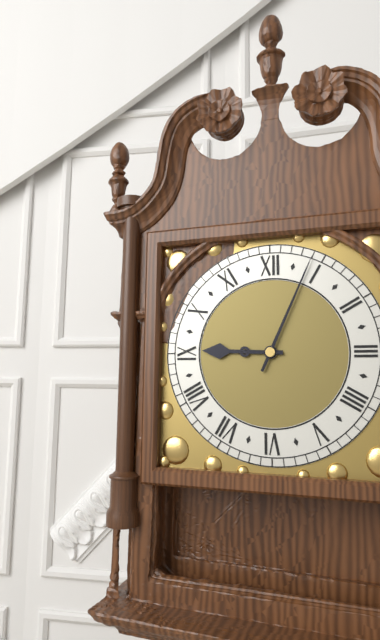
9:04
